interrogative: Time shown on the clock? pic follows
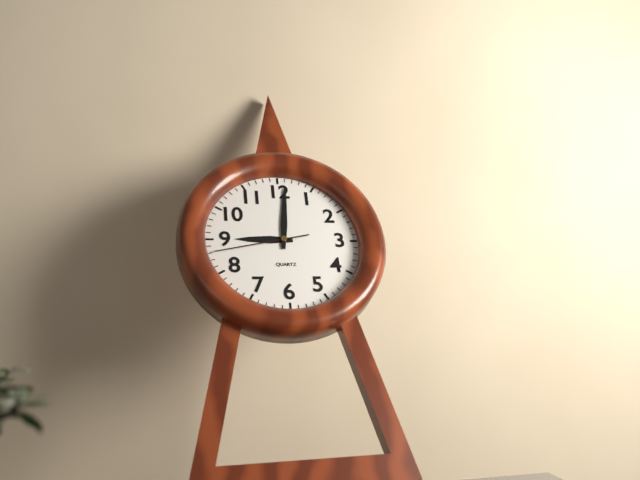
9:01:43
